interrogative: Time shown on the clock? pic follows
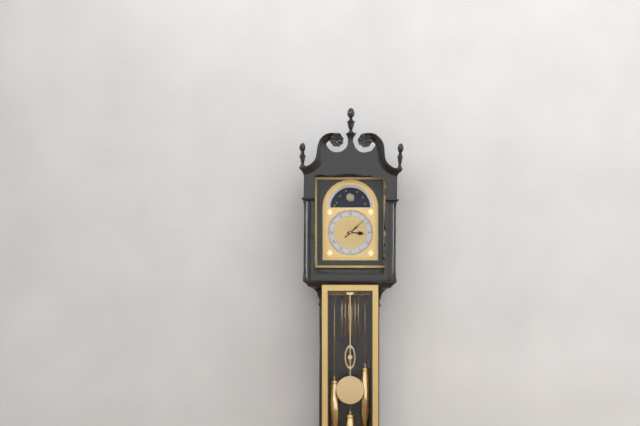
3:08
